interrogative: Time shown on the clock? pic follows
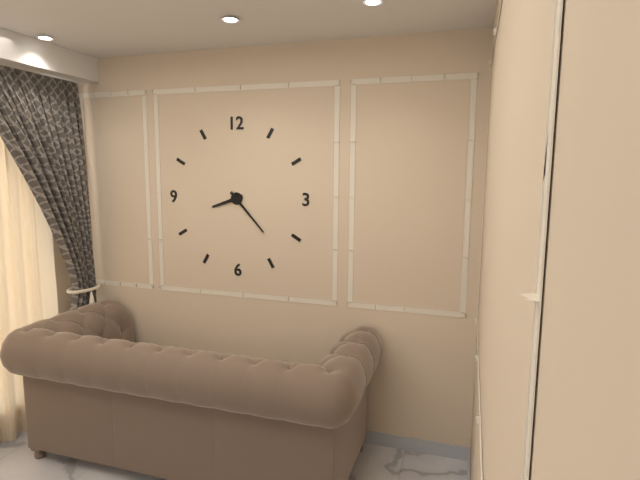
8:23
